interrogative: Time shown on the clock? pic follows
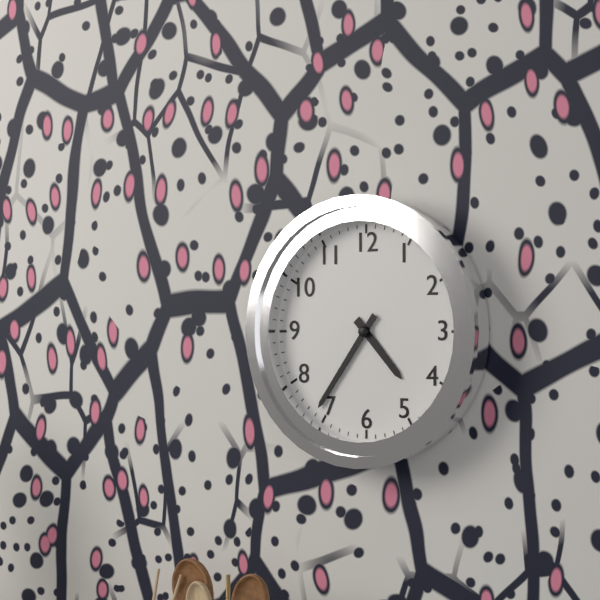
4:36
